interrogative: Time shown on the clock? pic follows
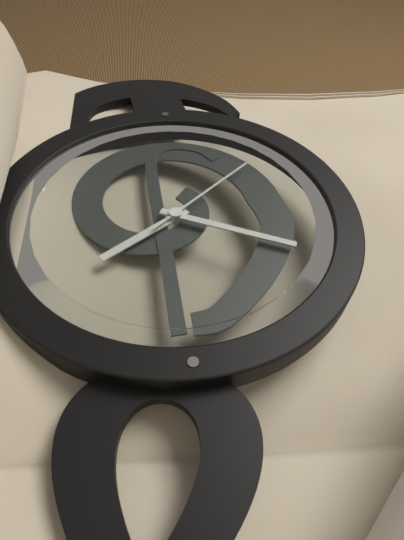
1:49:38
